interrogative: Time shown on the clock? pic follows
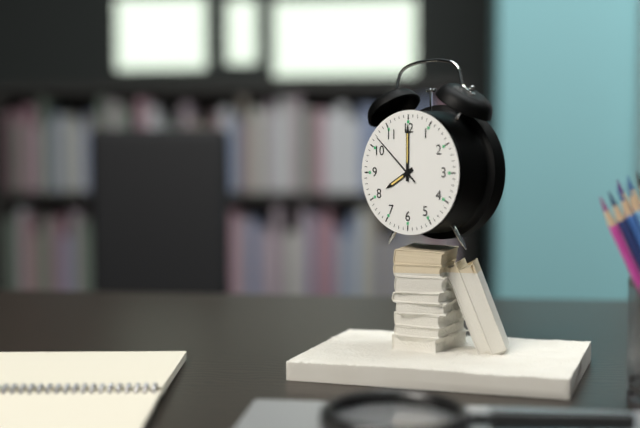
8:00:52
